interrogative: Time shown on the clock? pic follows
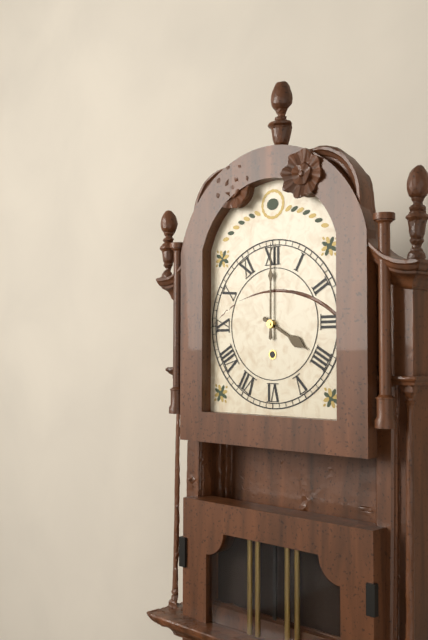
4:00
